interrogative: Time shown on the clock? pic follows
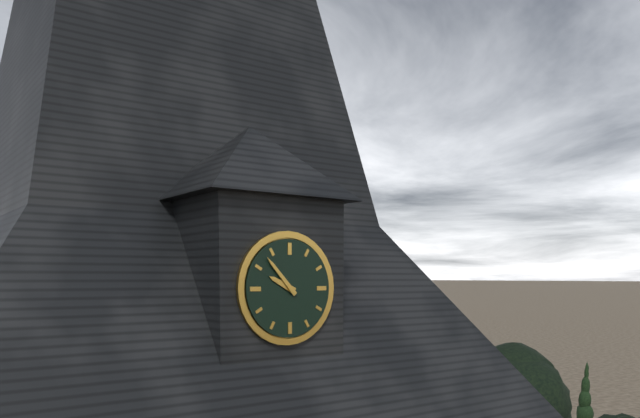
9:53
